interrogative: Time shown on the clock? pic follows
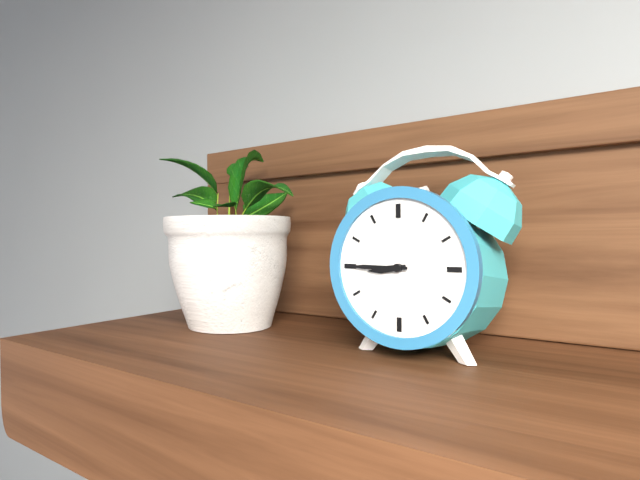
8:45
